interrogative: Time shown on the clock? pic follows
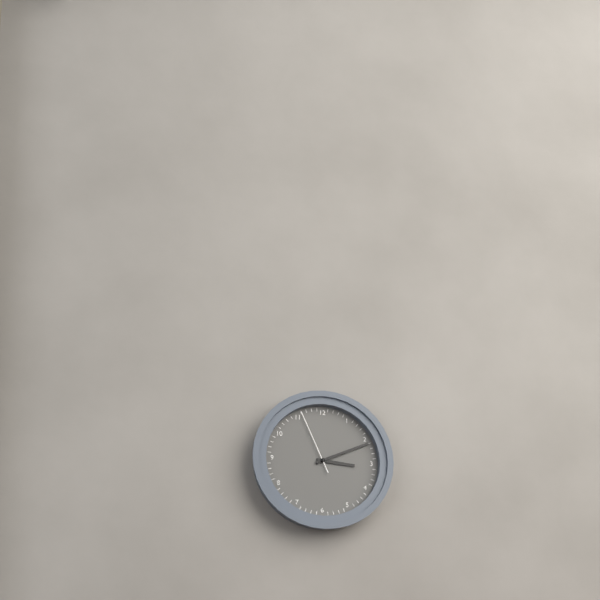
3:11:56
